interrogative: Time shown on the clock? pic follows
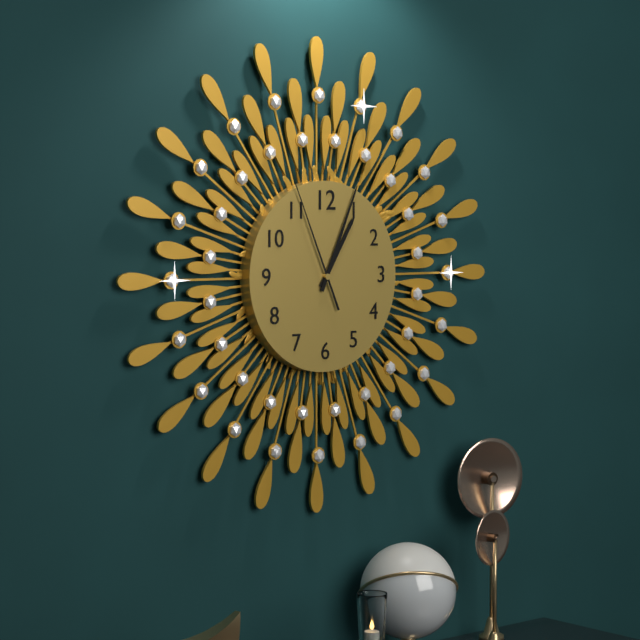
1:04:56
